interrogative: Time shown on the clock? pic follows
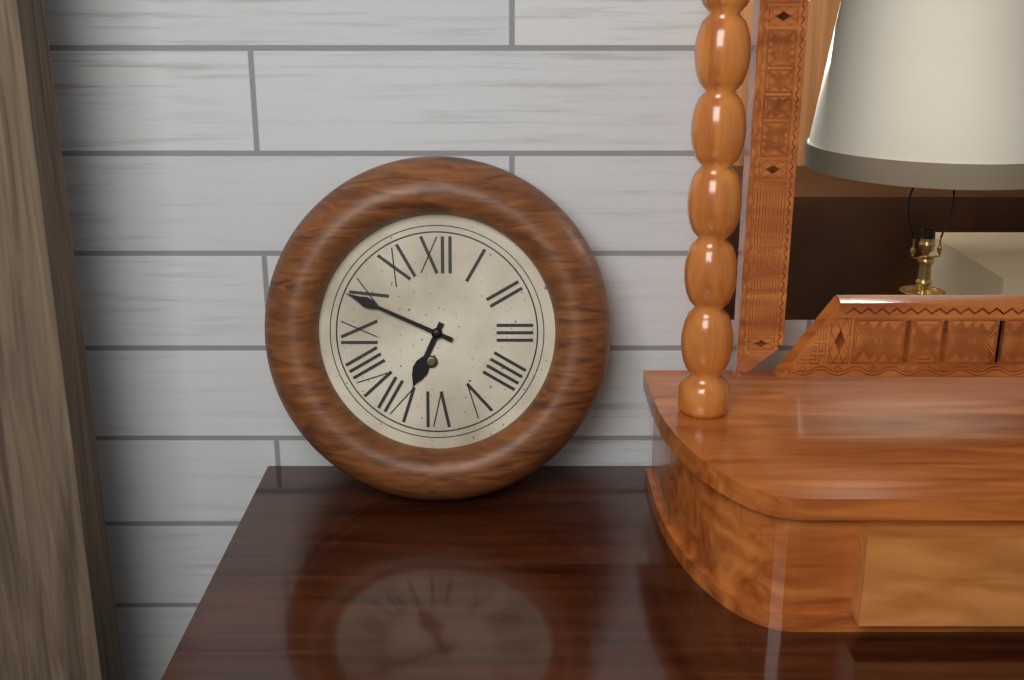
6:49
